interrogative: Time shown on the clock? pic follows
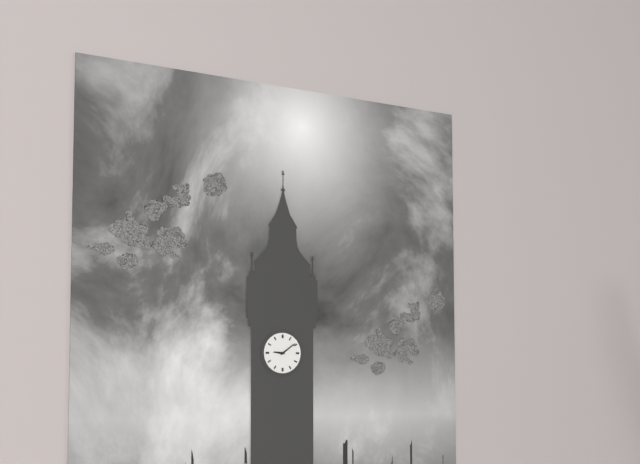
9:09
